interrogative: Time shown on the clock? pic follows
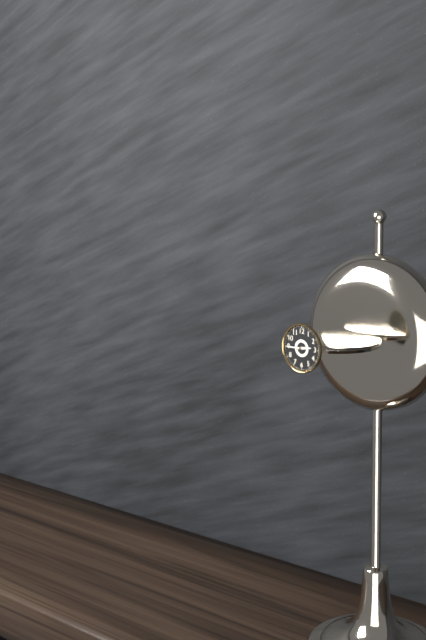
2:45
